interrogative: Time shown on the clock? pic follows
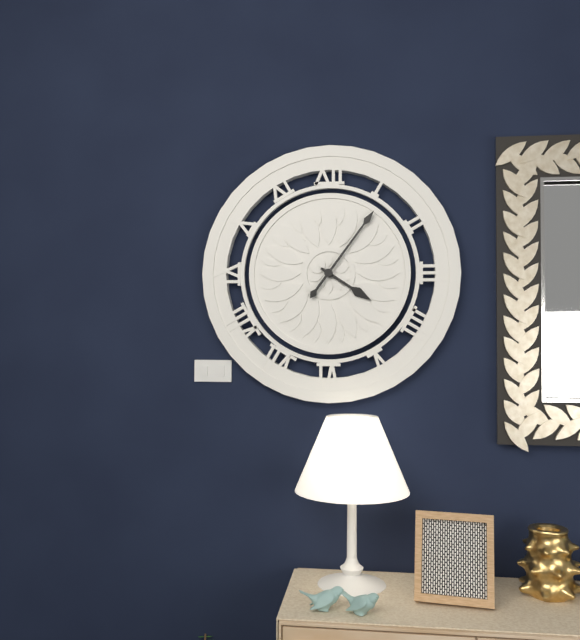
4:06
